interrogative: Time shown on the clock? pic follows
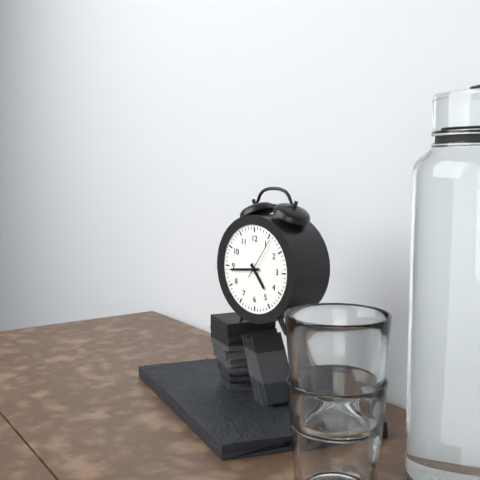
4:44
